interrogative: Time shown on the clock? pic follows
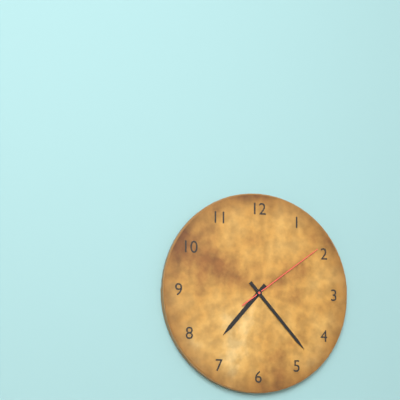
7:23:09
